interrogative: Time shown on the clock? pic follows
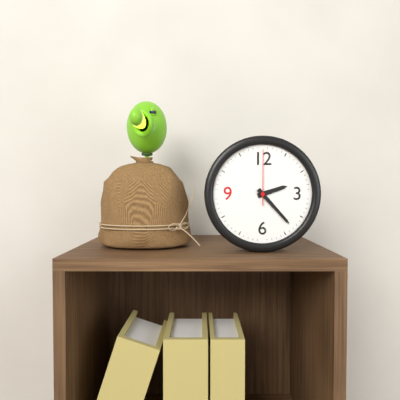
2:23:00
